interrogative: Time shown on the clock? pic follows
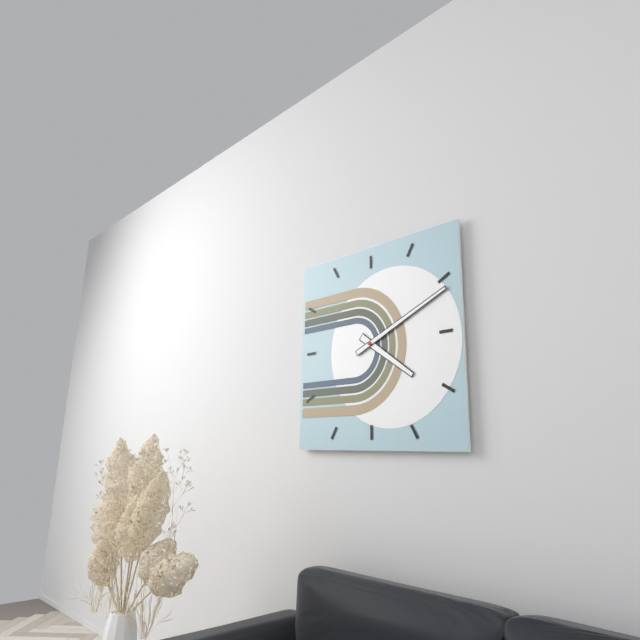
4:11
